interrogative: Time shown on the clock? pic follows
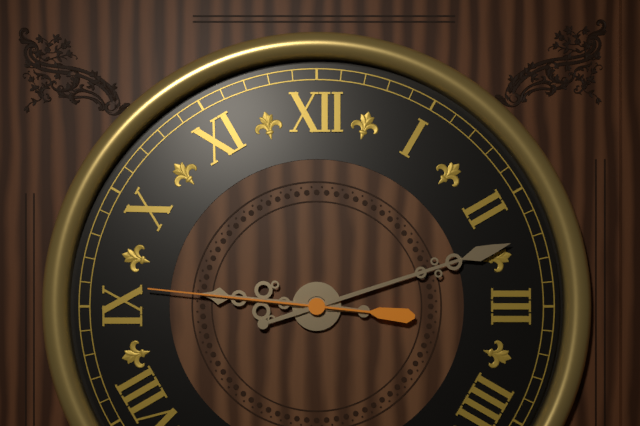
9:12:46
